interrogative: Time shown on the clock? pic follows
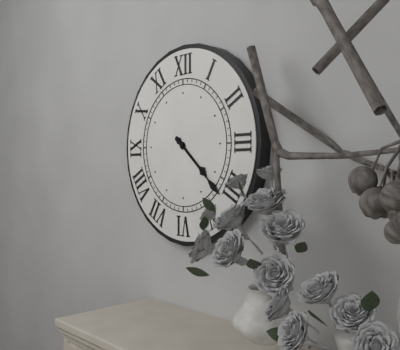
4:22
